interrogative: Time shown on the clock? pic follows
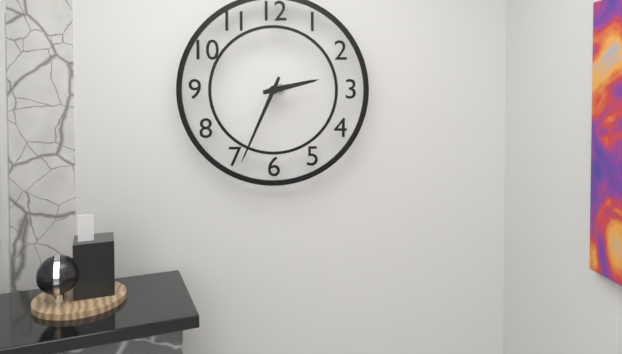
2:34
